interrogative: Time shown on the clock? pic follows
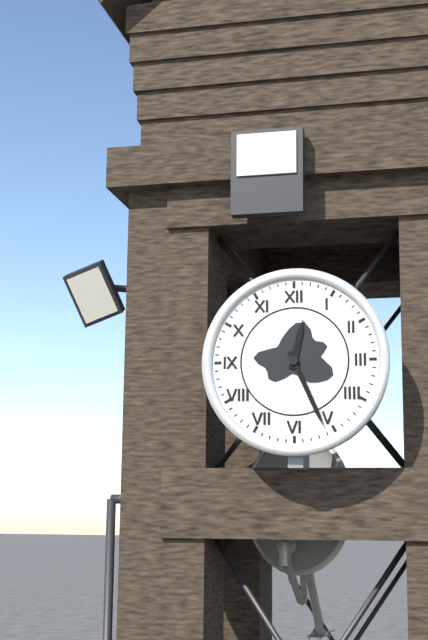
12:26
